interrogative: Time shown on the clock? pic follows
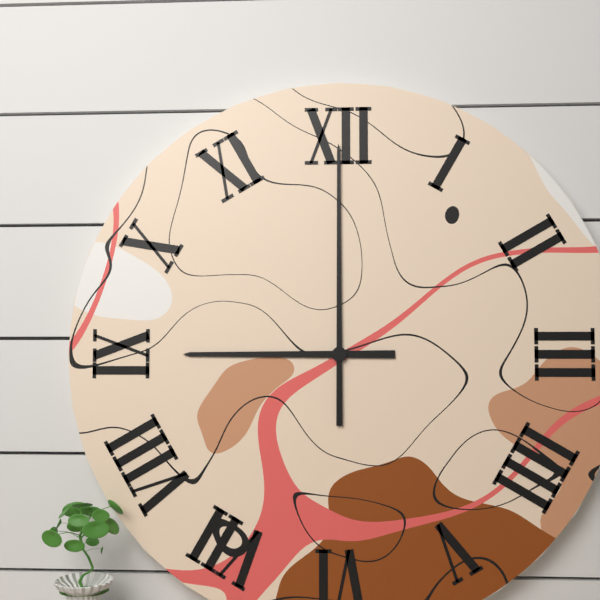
9:00
